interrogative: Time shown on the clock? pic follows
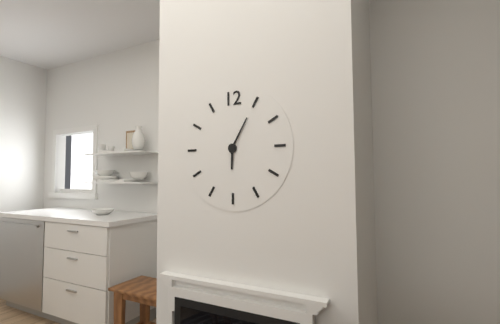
6:05
